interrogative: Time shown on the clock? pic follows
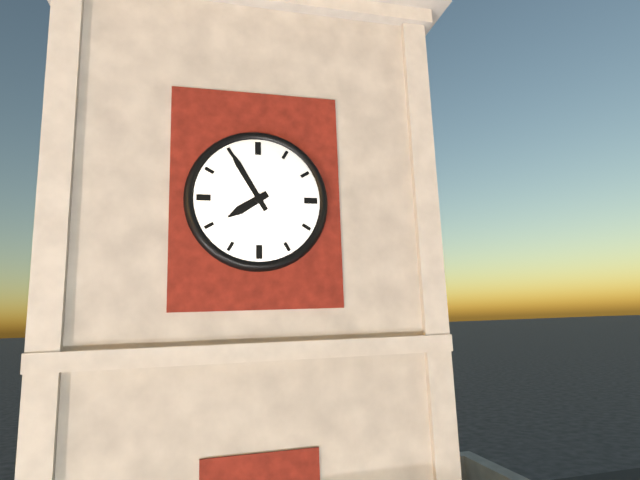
7:55
